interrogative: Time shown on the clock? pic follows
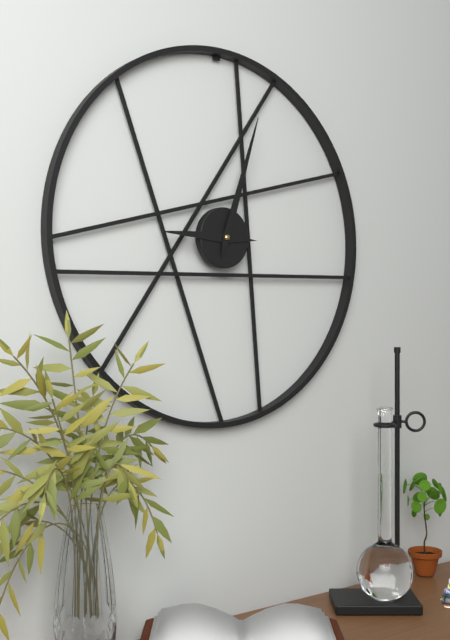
9:03
